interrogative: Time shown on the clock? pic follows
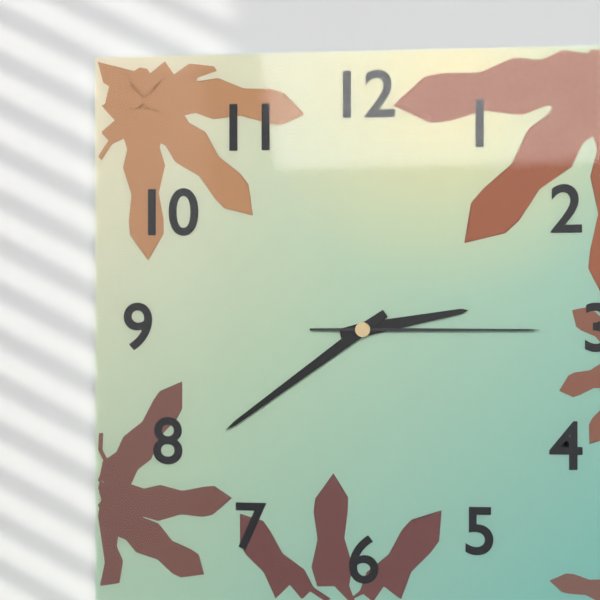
2:39:15
